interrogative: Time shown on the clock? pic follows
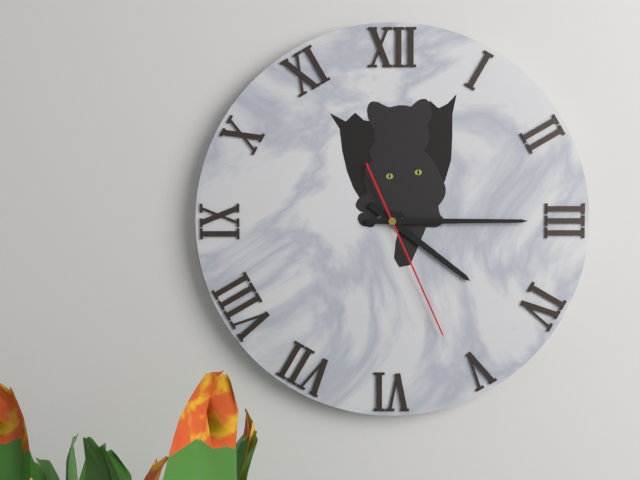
4:15:26
